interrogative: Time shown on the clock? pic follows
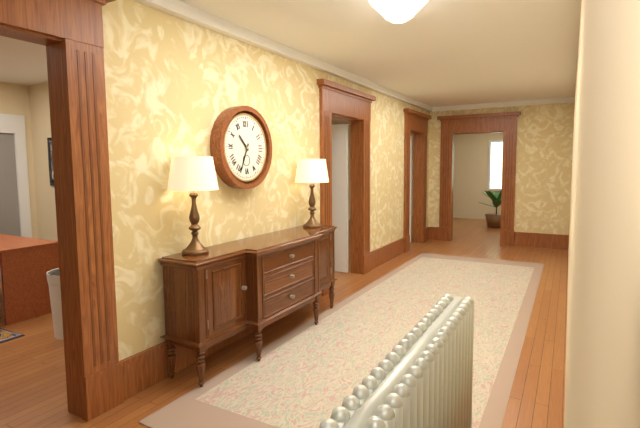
10:34
